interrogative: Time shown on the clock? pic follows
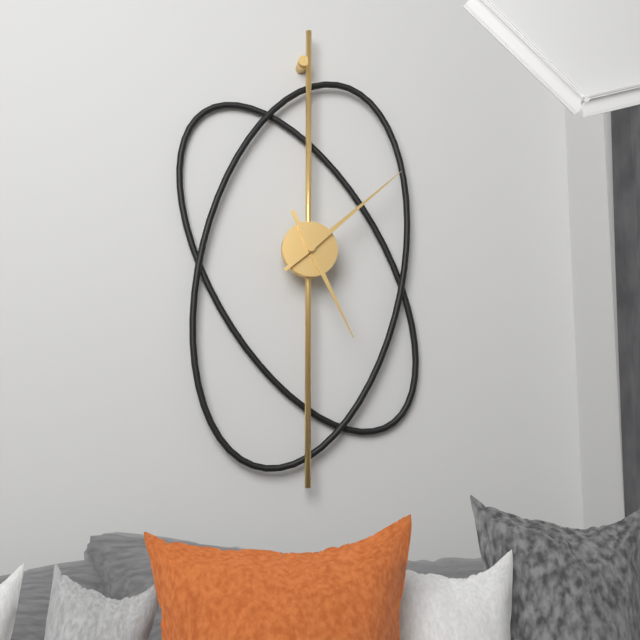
5:08
